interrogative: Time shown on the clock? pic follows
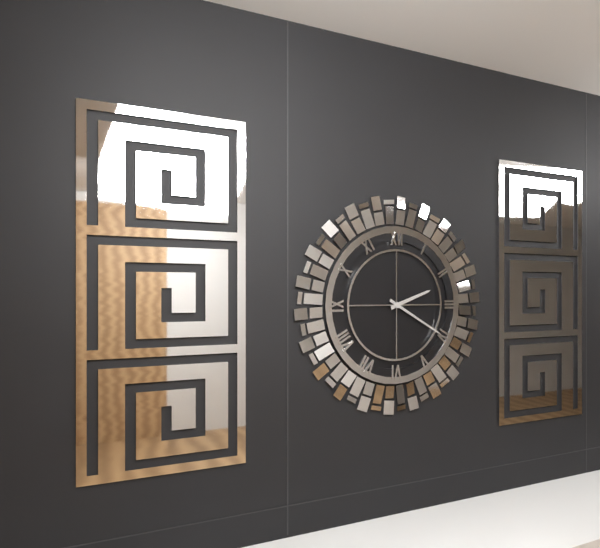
2:20
